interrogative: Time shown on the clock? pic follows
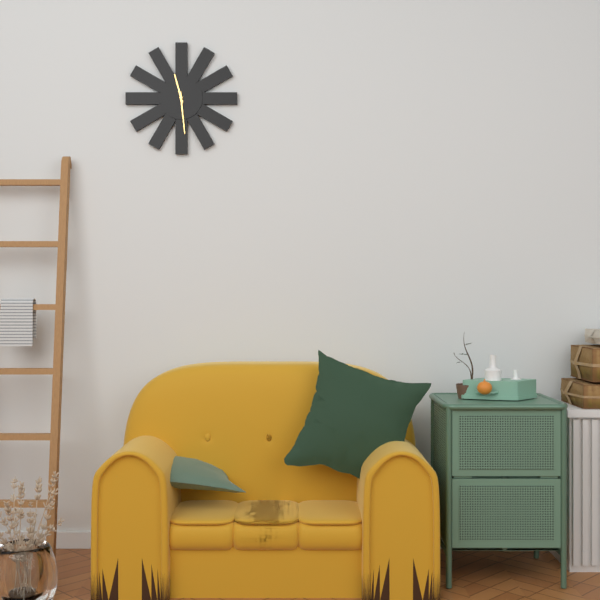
11:29
